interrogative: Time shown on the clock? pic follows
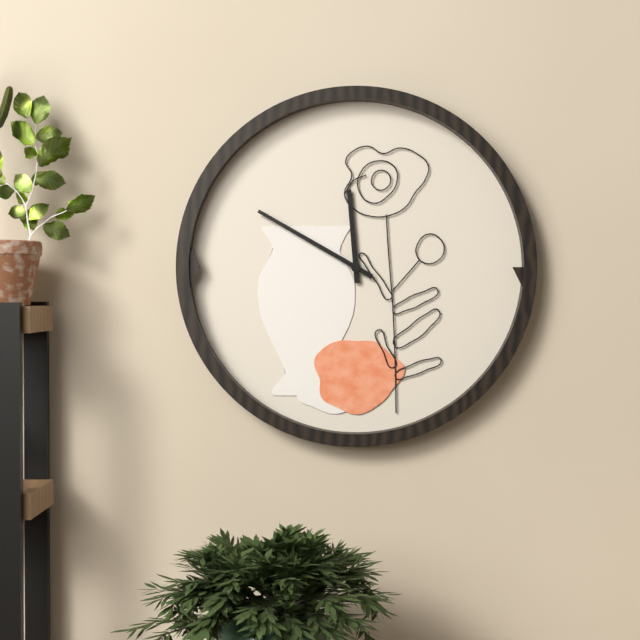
11:50
